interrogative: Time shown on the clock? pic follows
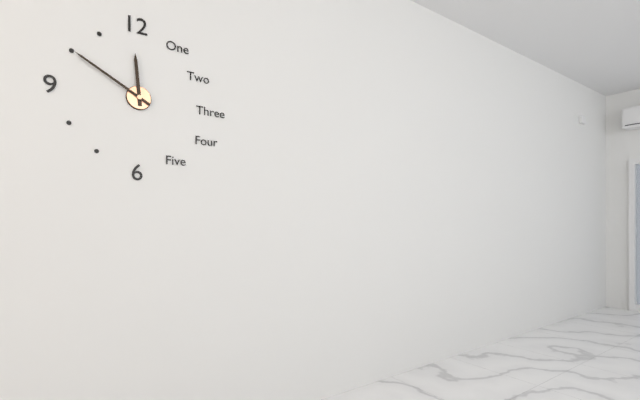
11:50
